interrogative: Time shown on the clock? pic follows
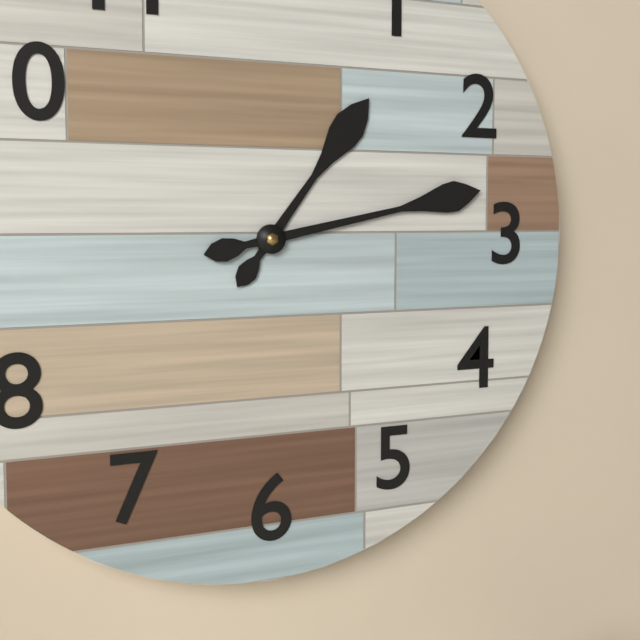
1:13
